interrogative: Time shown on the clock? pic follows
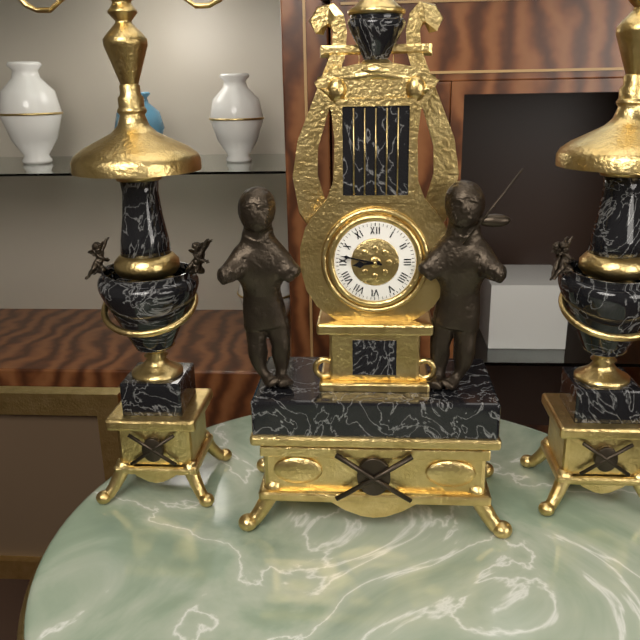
8:47
